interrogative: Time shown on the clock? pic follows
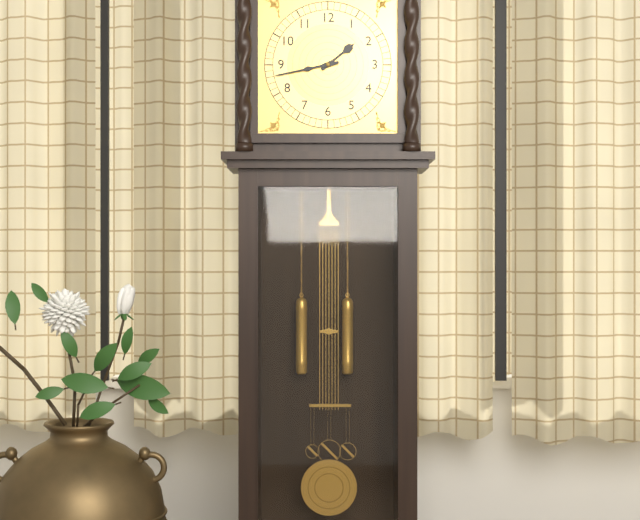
1:43
